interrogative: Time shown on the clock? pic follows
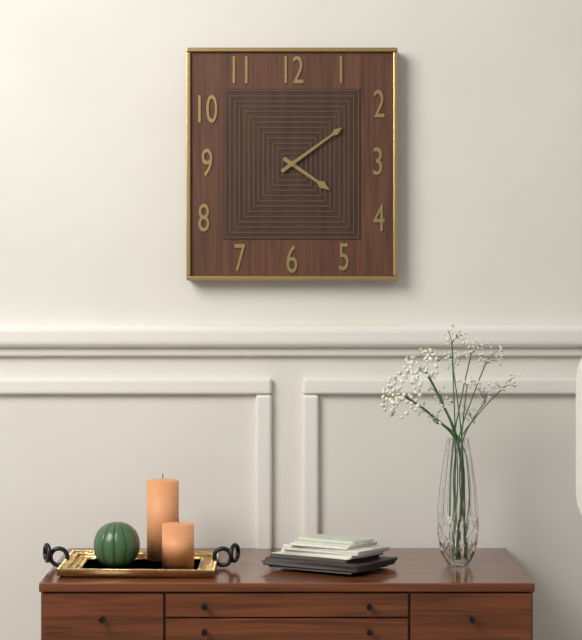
4:09
